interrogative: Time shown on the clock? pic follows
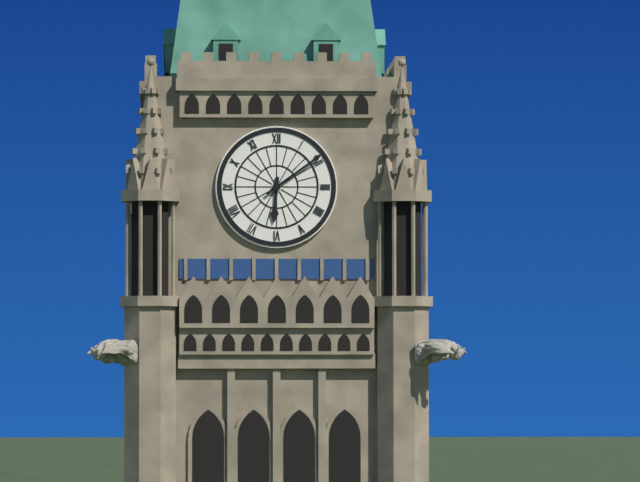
6:09
